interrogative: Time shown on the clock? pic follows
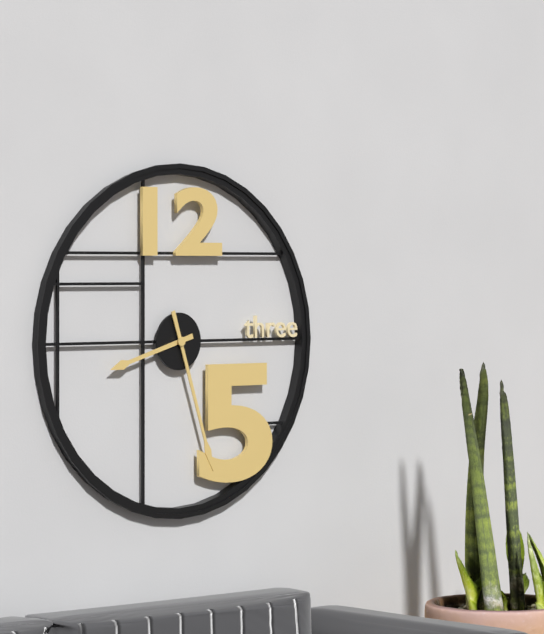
8:27
